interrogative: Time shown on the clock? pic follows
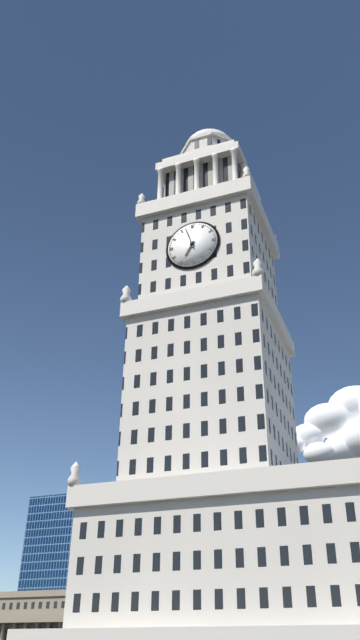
6:57
